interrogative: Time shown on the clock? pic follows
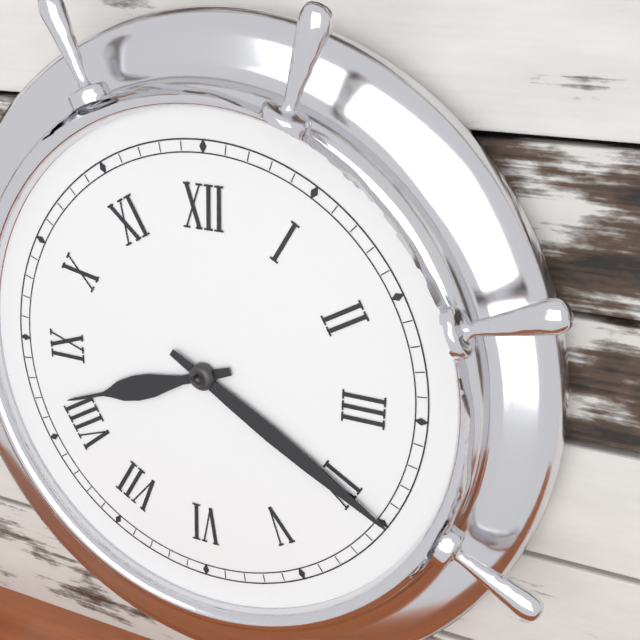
8:20
